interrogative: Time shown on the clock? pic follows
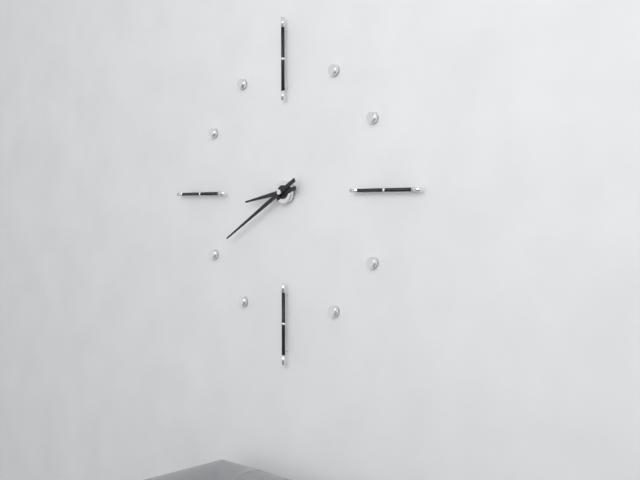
8:40
